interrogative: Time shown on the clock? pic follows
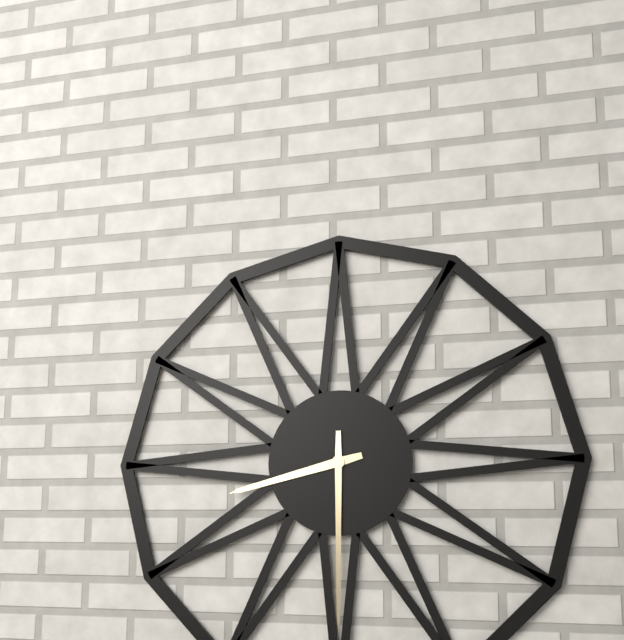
8:30
